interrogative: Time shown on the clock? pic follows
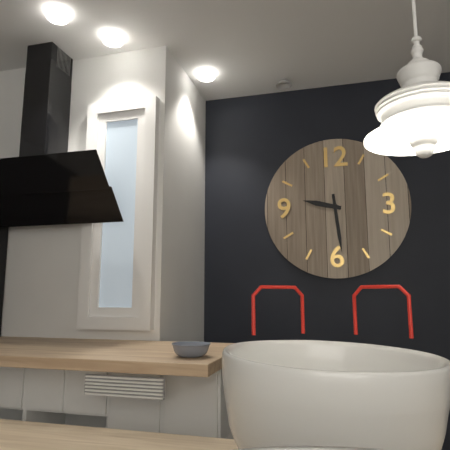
9:29
